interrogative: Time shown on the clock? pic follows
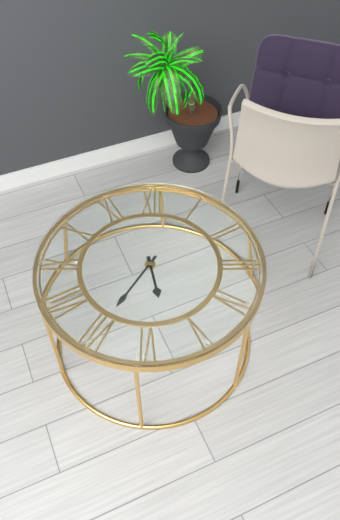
5:35
